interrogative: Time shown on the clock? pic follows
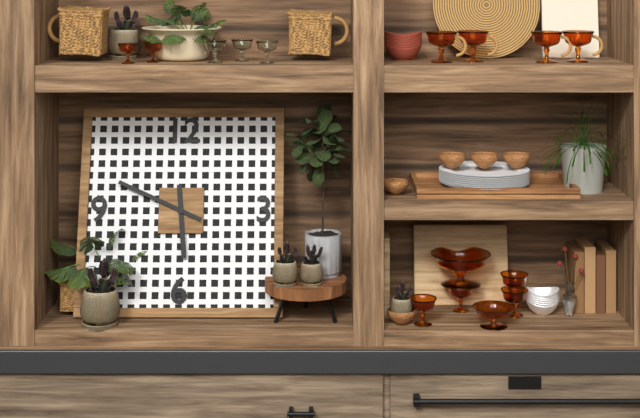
5:49
